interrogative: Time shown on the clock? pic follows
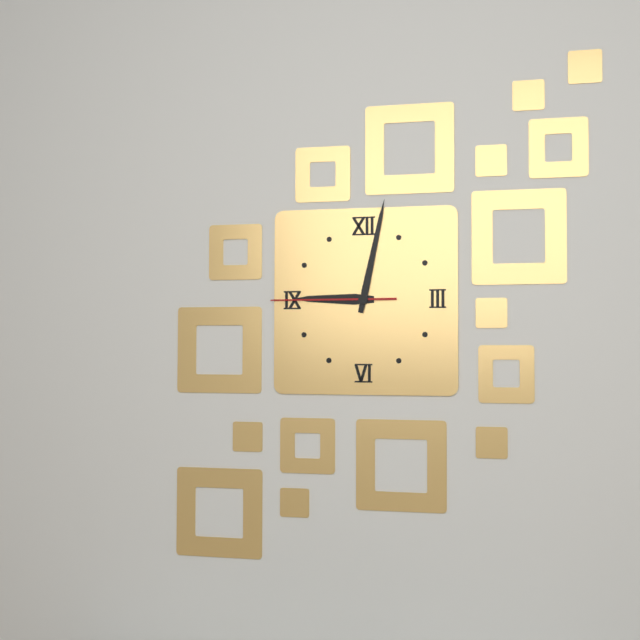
9:02:45
